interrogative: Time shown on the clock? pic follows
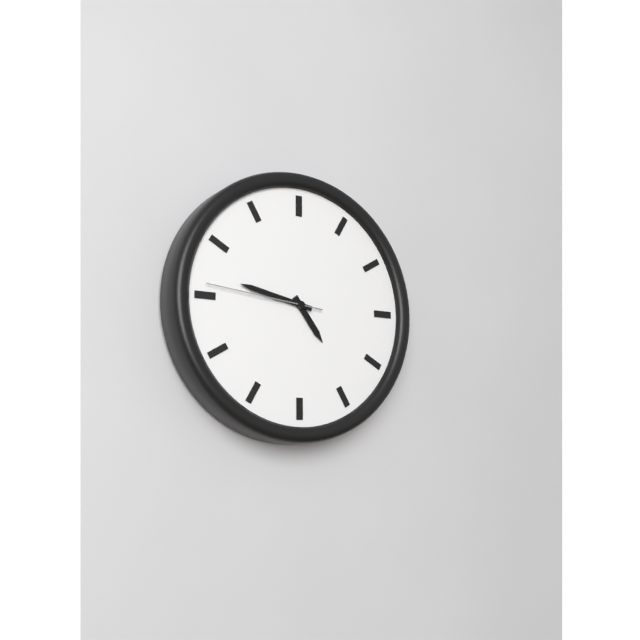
4:47:46
